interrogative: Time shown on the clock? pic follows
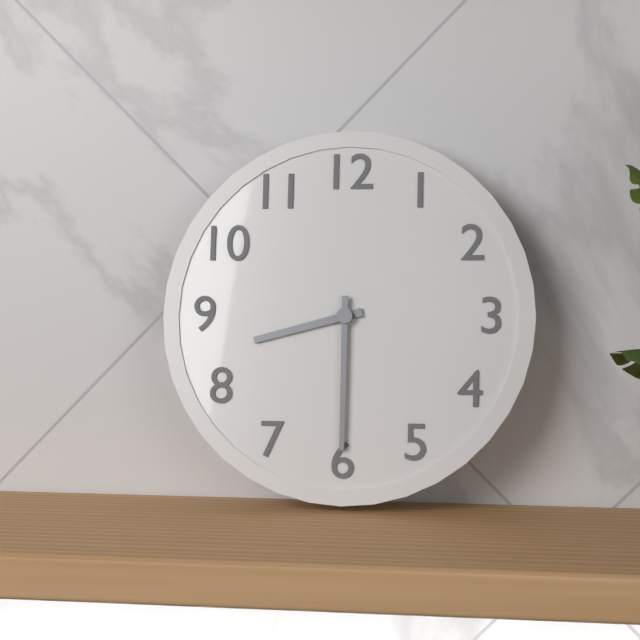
8:30
